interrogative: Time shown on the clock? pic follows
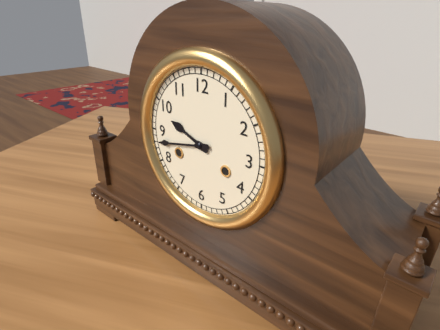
9:43
